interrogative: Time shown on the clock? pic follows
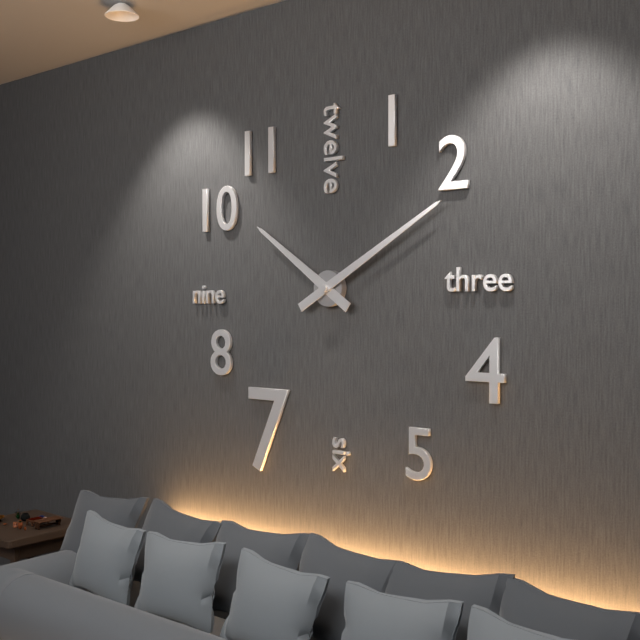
10:10
